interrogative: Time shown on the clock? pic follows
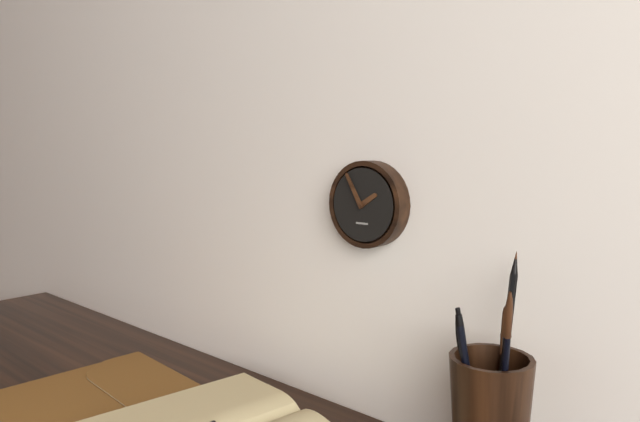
1:55
